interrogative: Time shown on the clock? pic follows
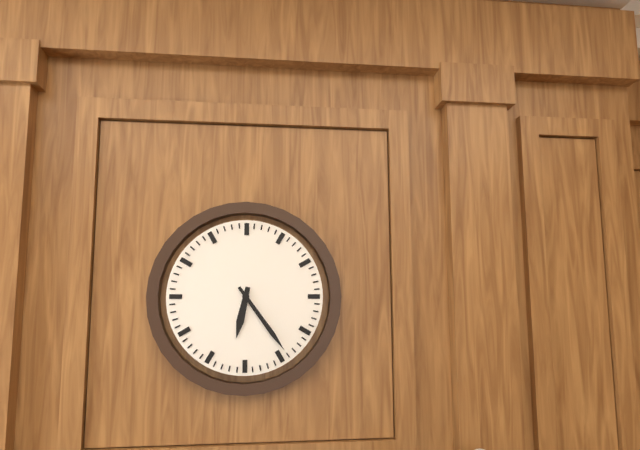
6:24
